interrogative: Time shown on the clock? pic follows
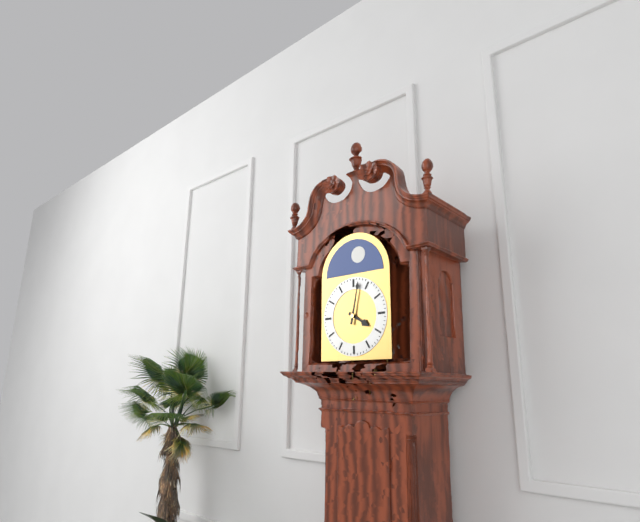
4:02
